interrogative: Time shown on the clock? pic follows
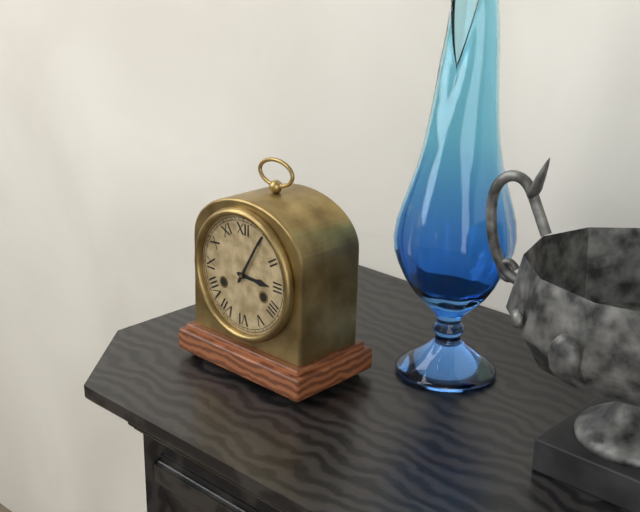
3:05
